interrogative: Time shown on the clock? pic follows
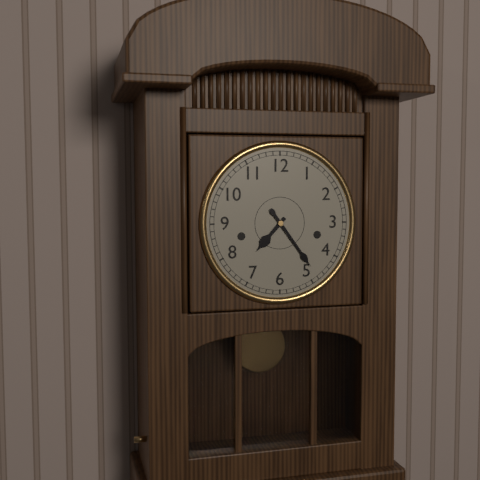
7:24
